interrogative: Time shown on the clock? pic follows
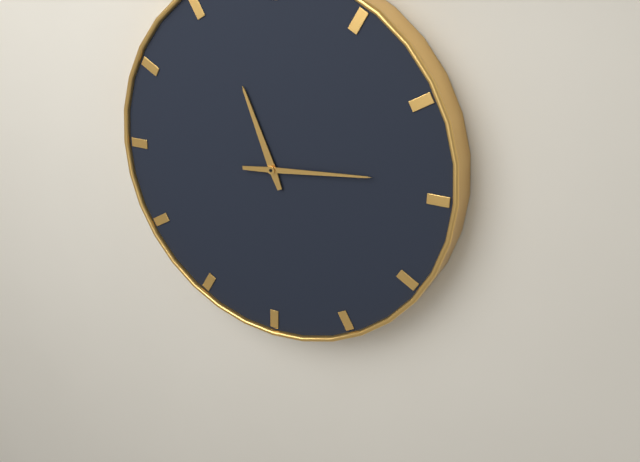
11:14
